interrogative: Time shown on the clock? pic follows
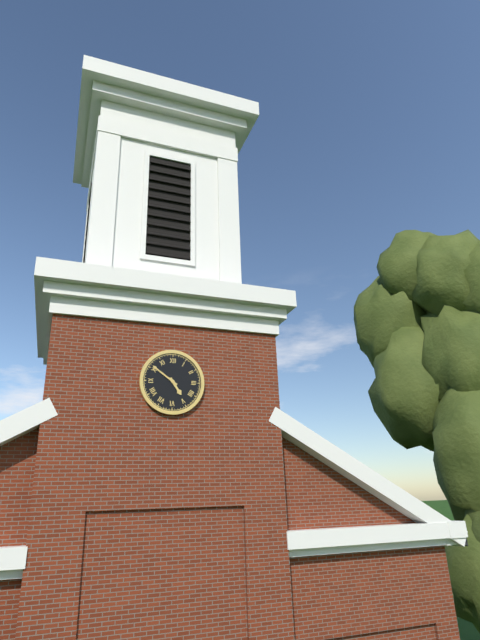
4:51
